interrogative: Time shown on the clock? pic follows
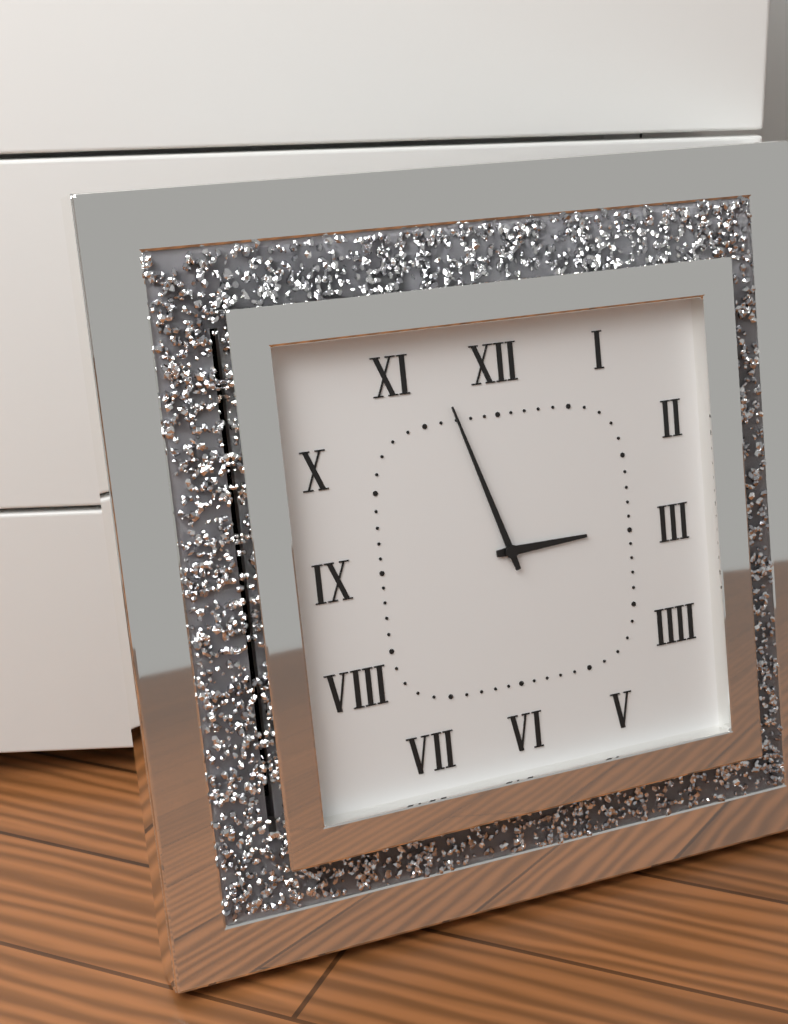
2:57
